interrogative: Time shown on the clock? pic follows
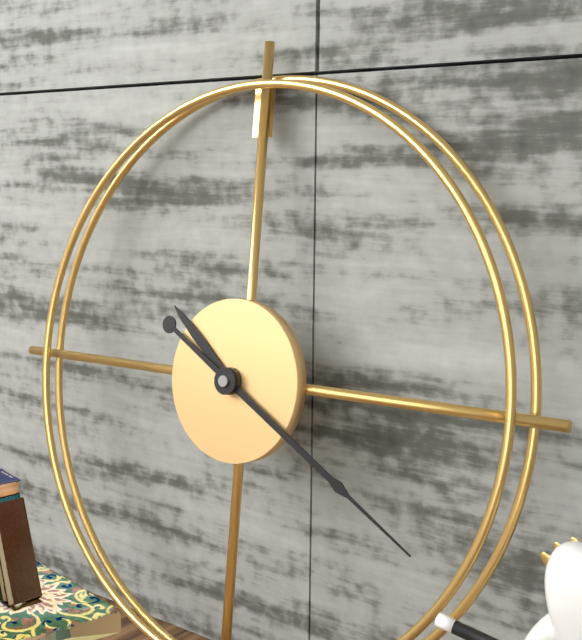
10:20
